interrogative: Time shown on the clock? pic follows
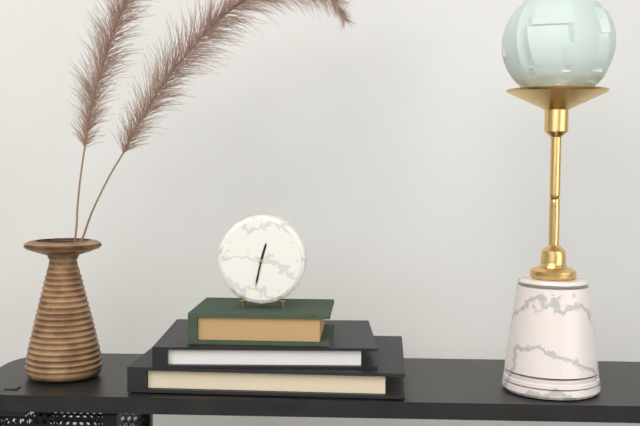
12:32
